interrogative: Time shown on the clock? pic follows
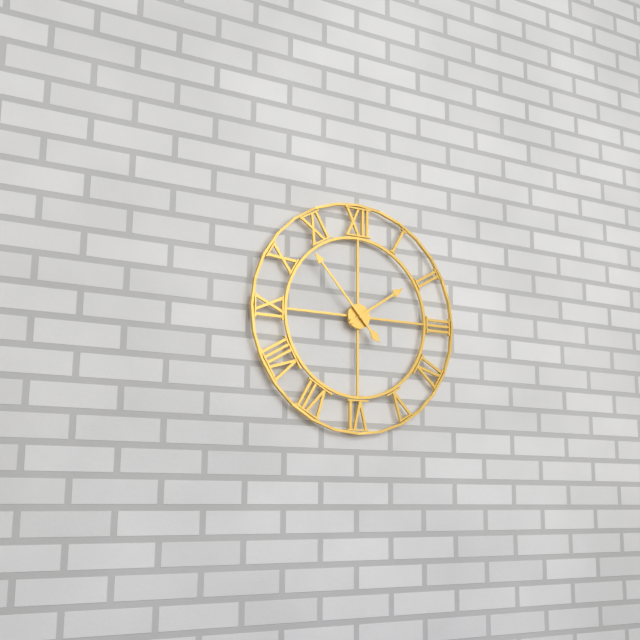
1:53
